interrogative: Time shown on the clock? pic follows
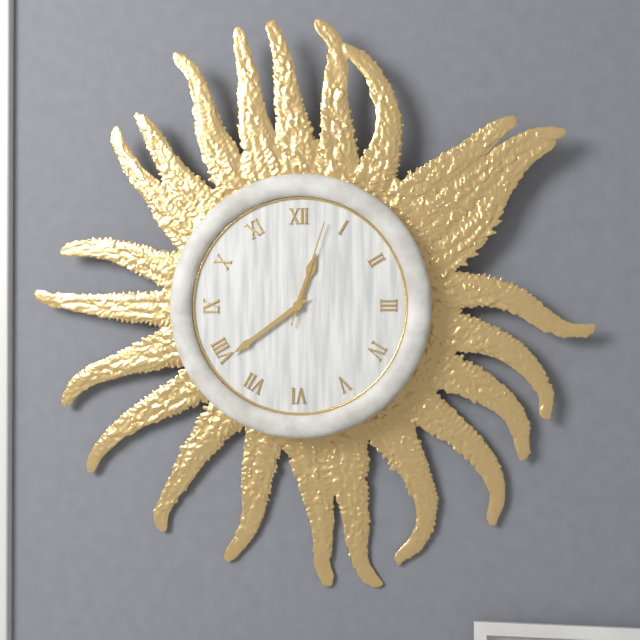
12:39:03
